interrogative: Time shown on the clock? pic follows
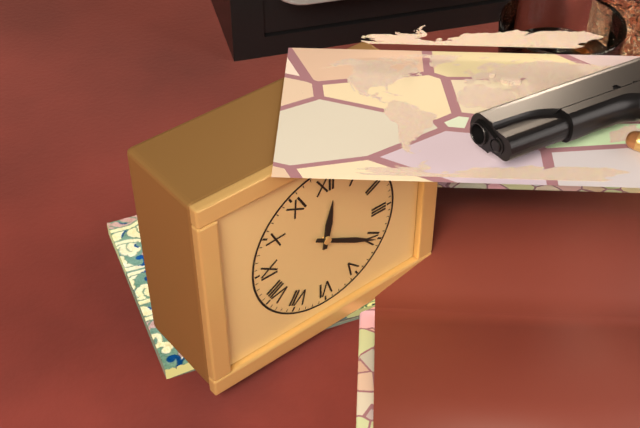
12:20
